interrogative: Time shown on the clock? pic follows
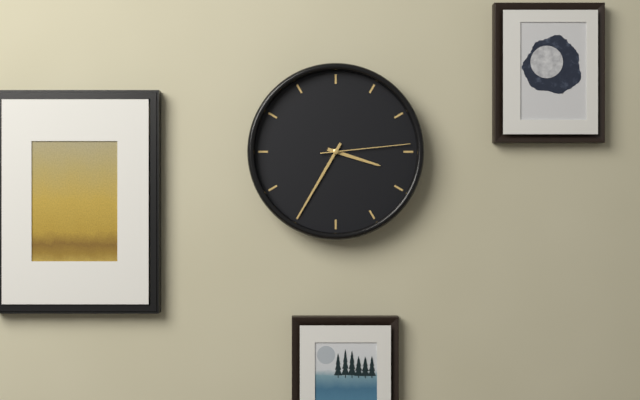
3:35:14
